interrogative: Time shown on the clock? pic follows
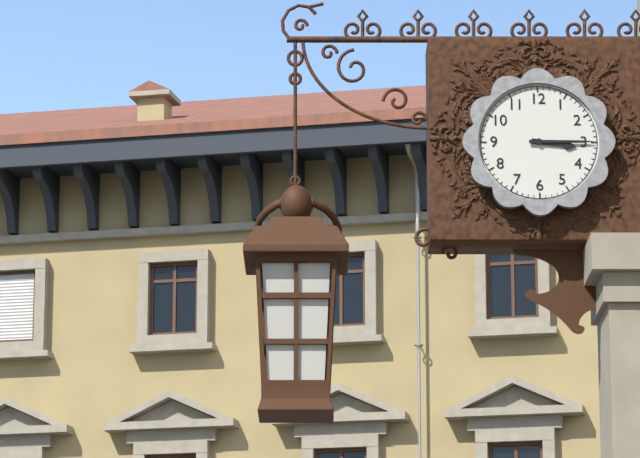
3:15
